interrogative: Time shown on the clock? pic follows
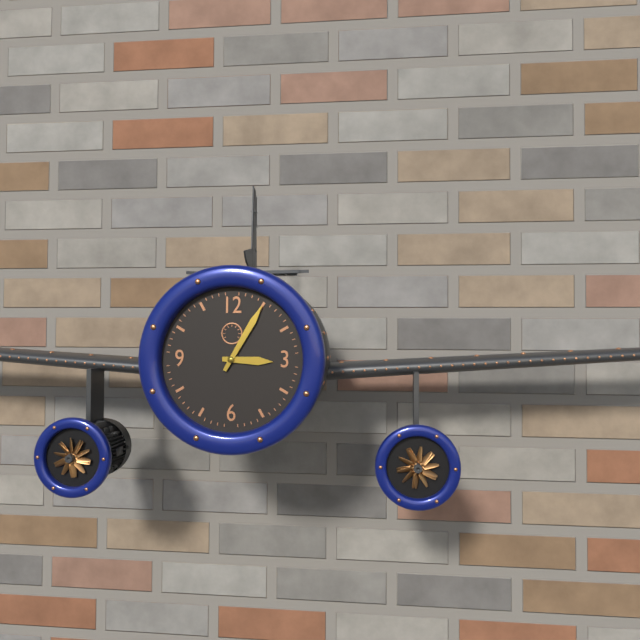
3:05
